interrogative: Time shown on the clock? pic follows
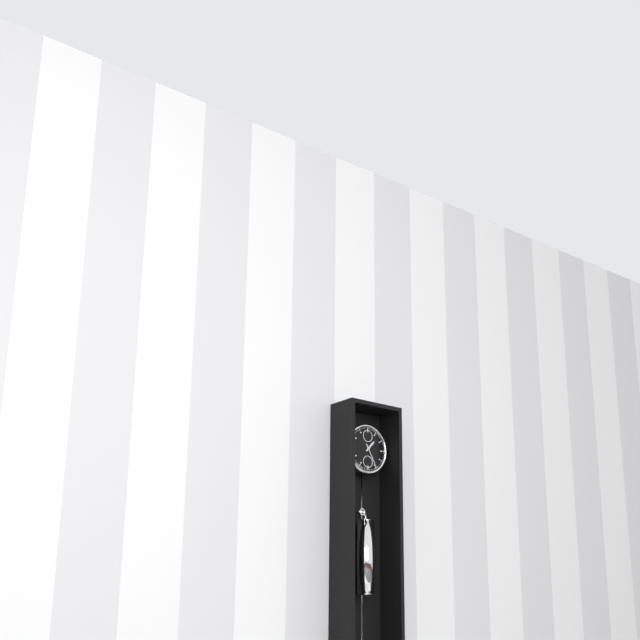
1:25
